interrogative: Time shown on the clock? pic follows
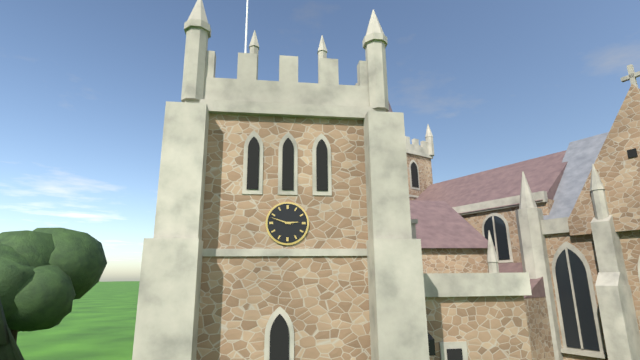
2:48
